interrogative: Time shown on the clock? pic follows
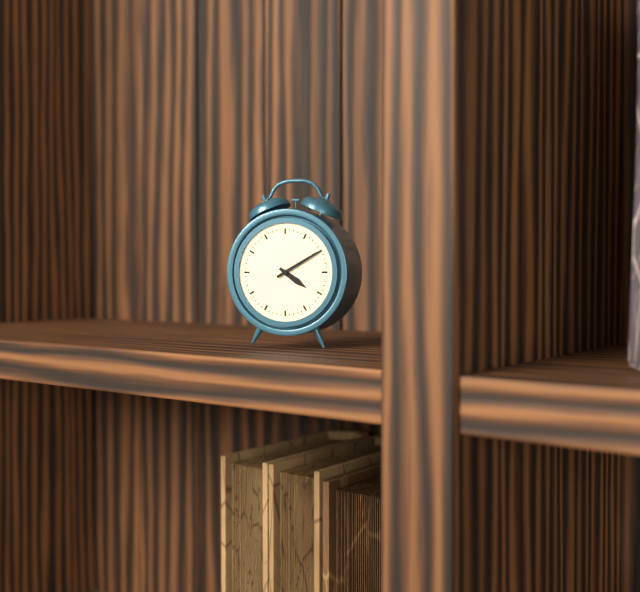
4:10
